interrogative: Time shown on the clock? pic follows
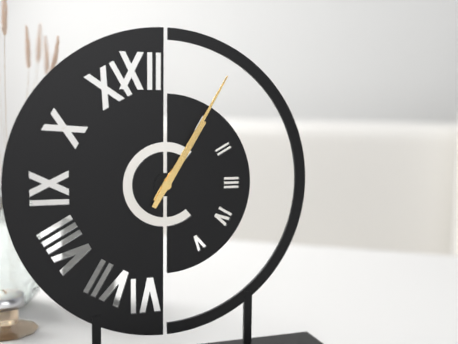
1:05
